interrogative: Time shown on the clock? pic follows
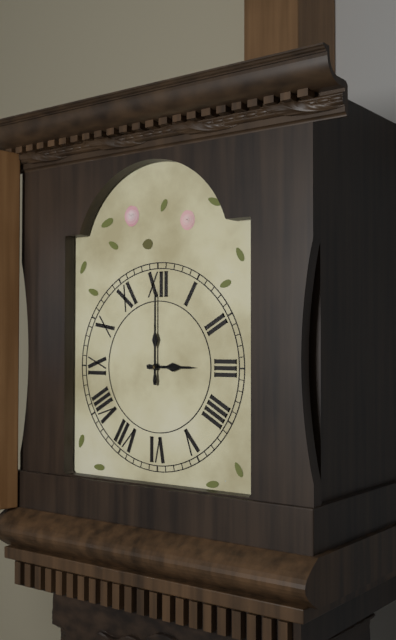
3:00
